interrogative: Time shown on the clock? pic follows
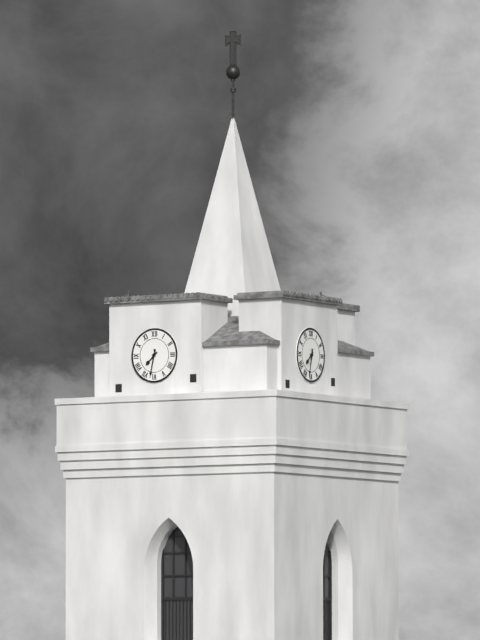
7:32
